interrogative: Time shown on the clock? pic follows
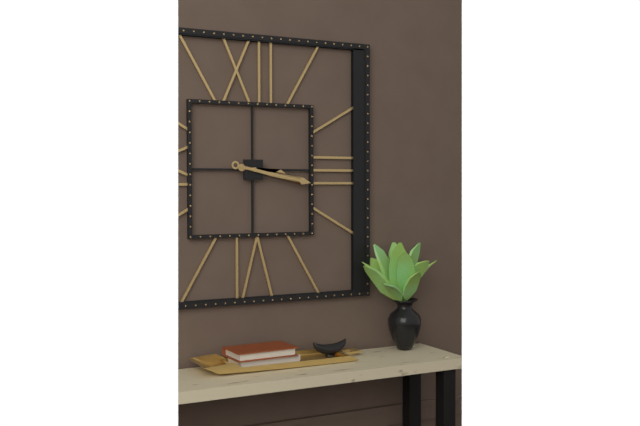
3:17
